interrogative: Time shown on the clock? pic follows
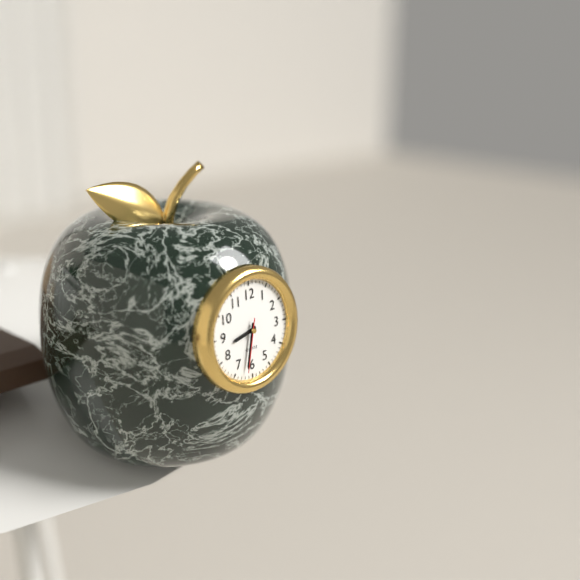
8:32:32
